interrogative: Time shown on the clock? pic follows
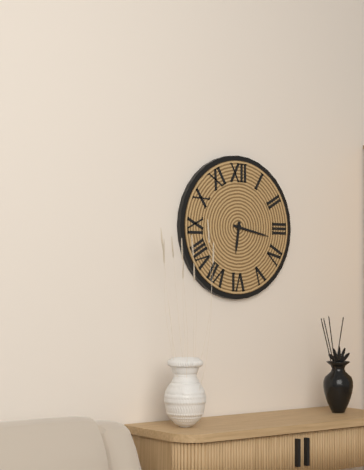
6:17
